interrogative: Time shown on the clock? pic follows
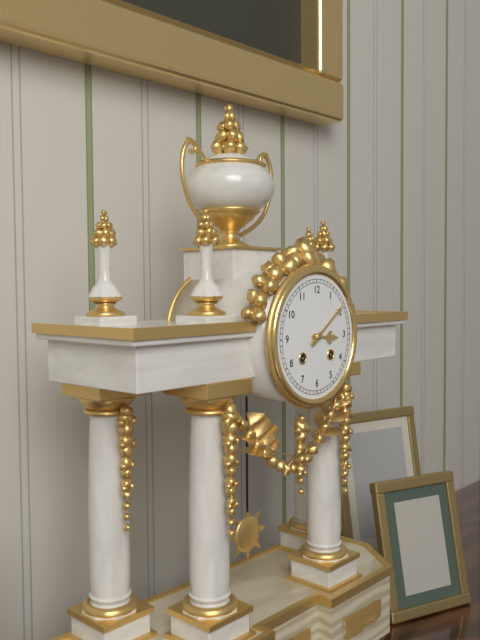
3:09
